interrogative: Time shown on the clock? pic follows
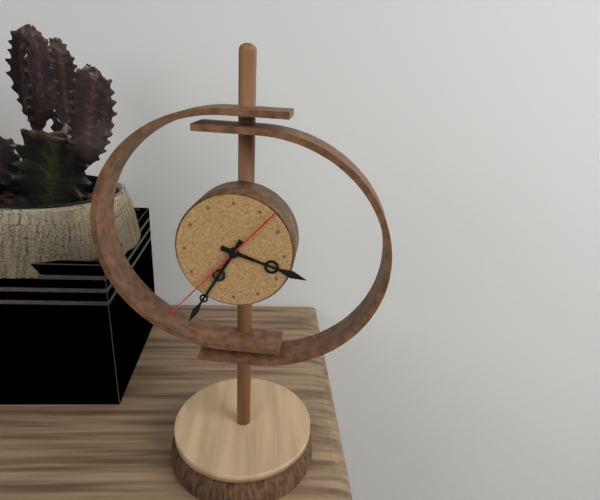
3:35:37
